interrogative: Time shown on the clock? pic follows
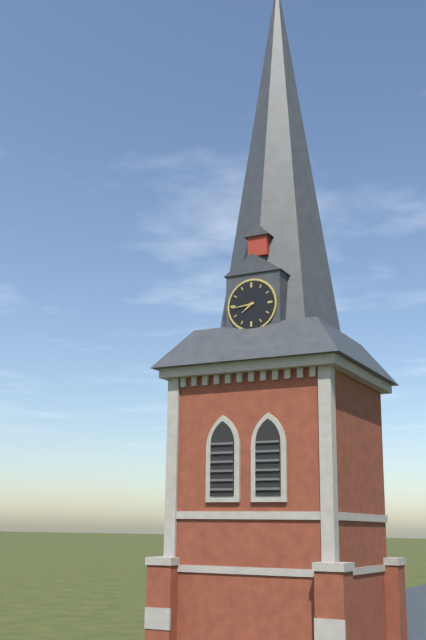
7:44
